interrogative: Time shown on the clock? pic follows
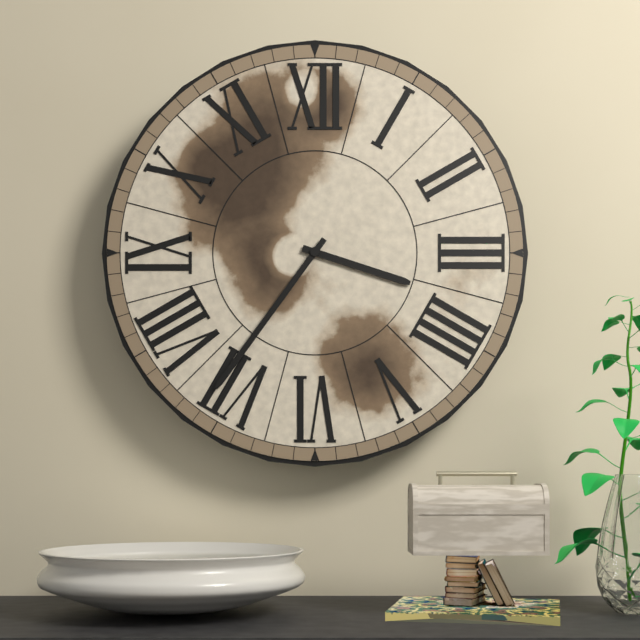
3:36
